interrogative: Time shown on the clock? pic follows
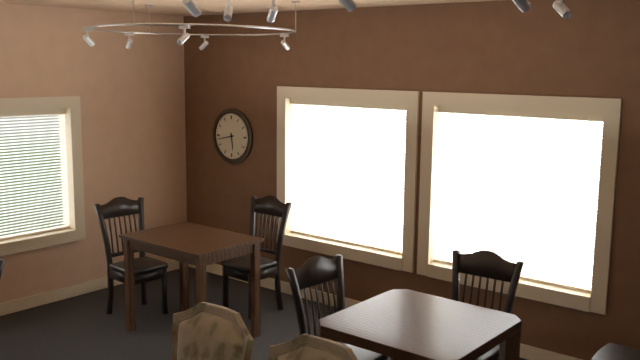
5:43
